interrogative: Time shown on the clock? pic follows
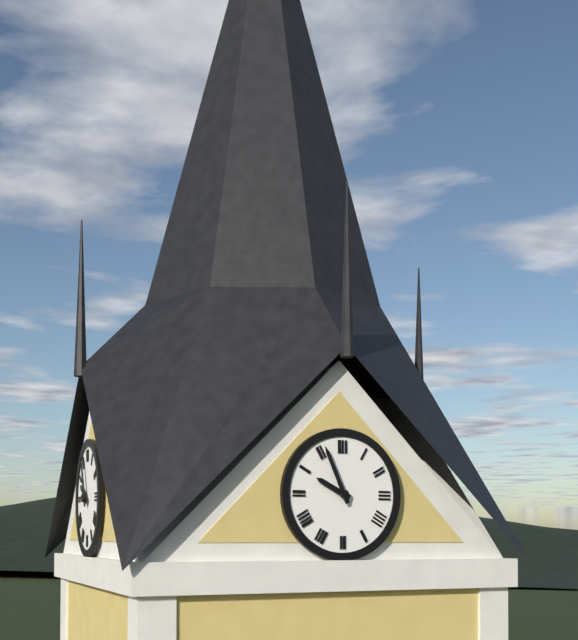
9:56
